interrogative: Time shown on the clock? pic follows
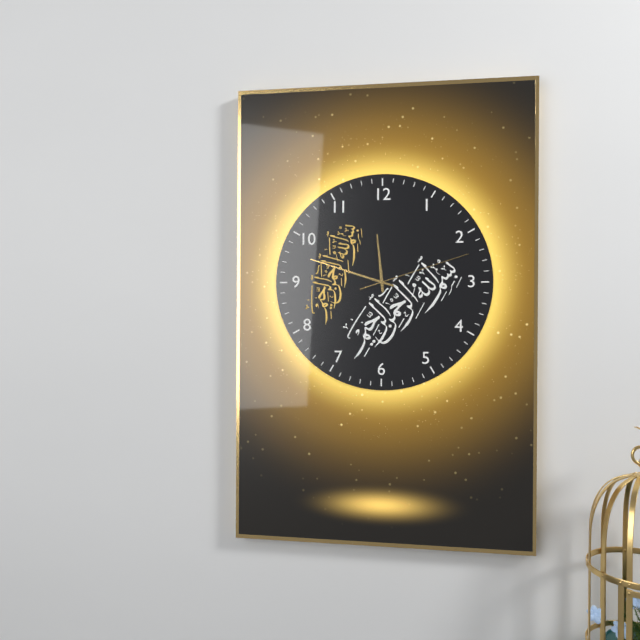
11:48:12
